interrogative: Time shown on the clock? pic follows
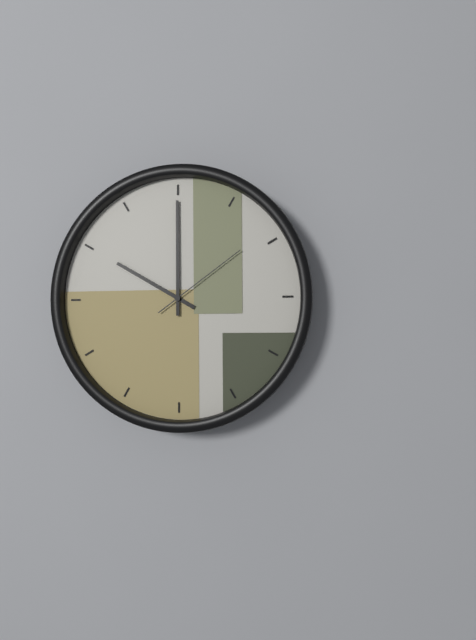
10:00:09
